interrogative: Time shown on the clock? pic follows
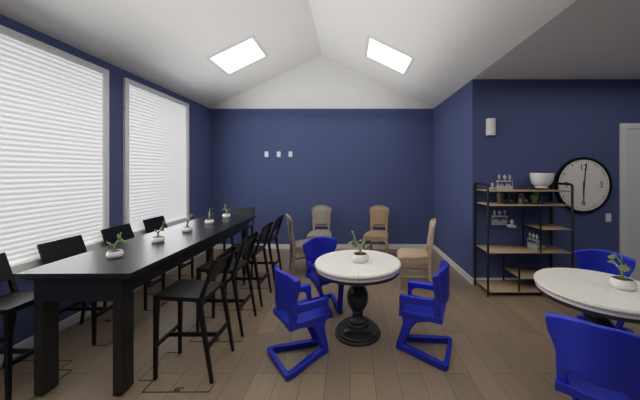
6:01
